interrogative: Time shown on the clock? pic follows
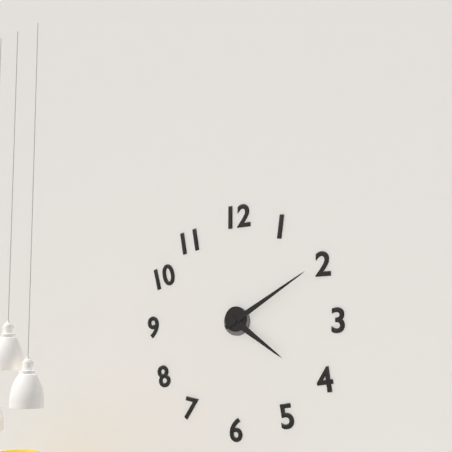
4:10
